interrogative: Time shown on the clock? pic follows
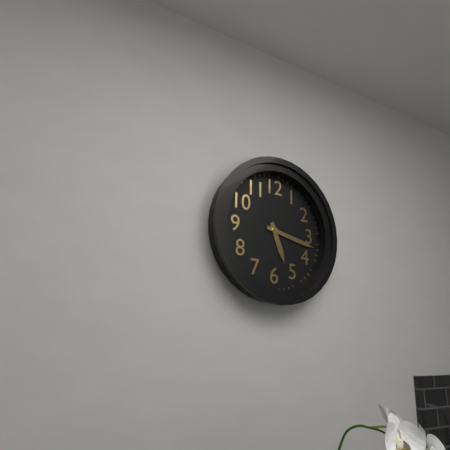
5:17
